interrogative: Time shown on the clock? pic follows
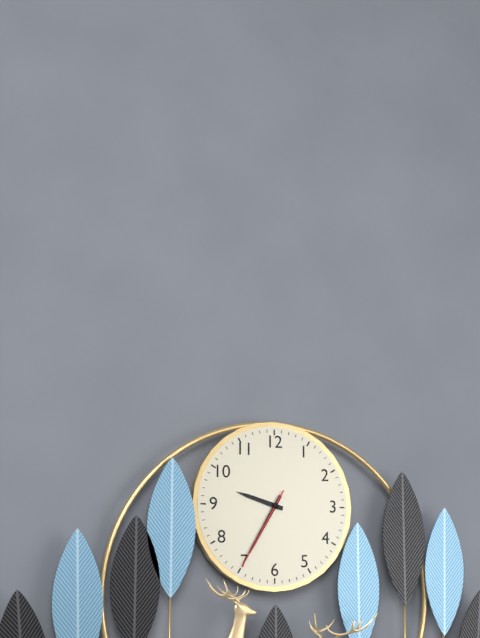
9:35:35
